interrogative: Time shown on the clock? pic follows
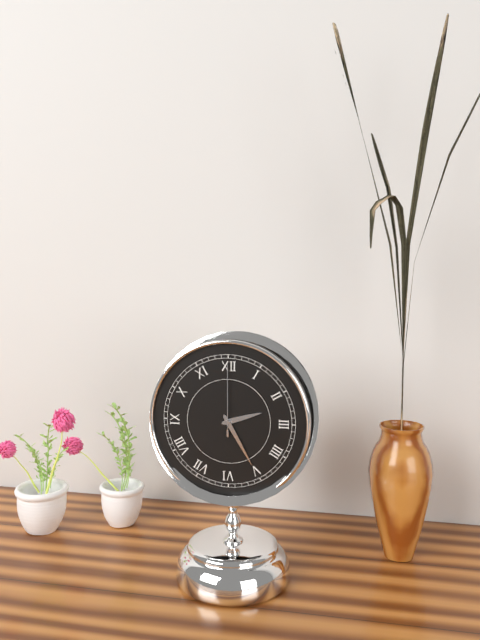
2:25:00
